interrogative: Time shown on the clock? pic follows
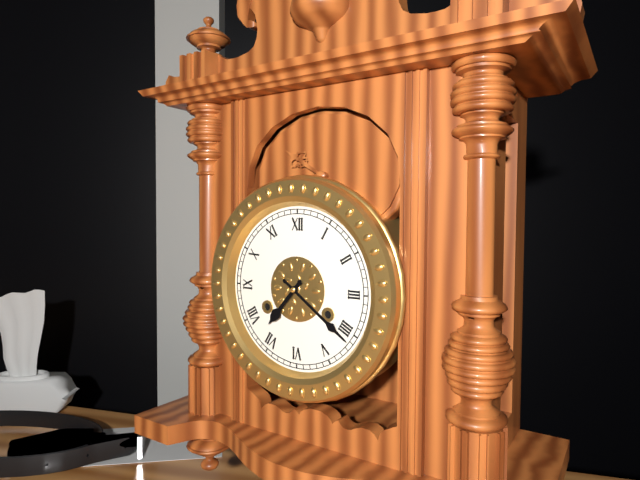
7:21
